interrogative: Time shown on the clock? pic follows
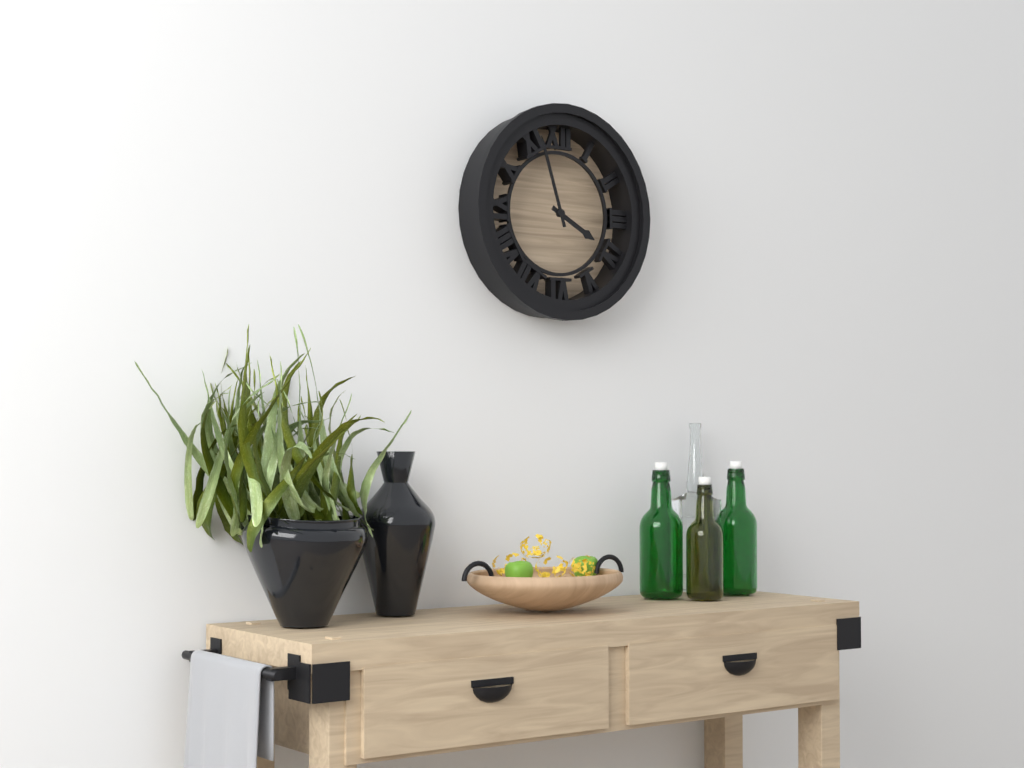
3:57
